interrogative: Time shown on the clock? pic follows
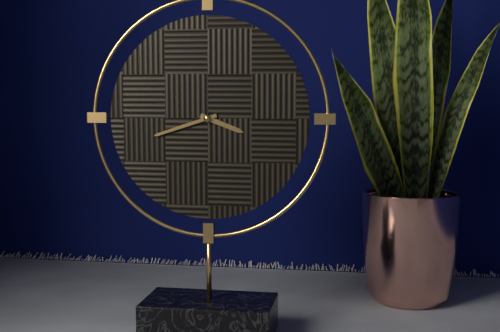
3:42
